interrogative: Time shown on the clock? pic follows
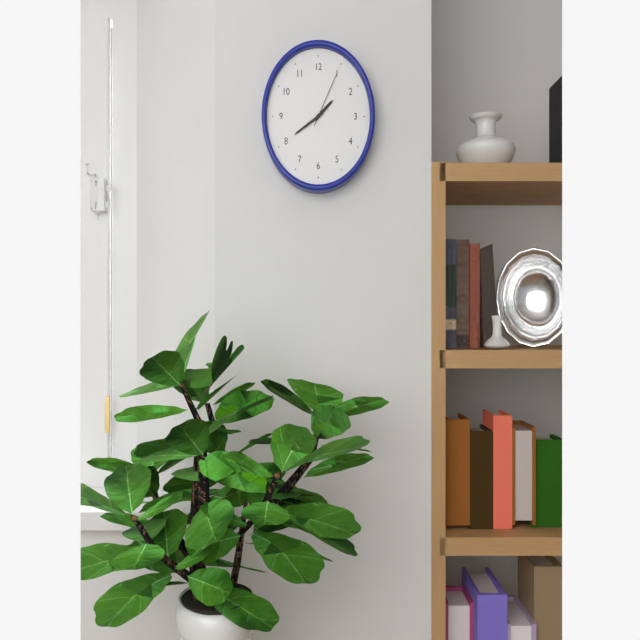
1:40:05
